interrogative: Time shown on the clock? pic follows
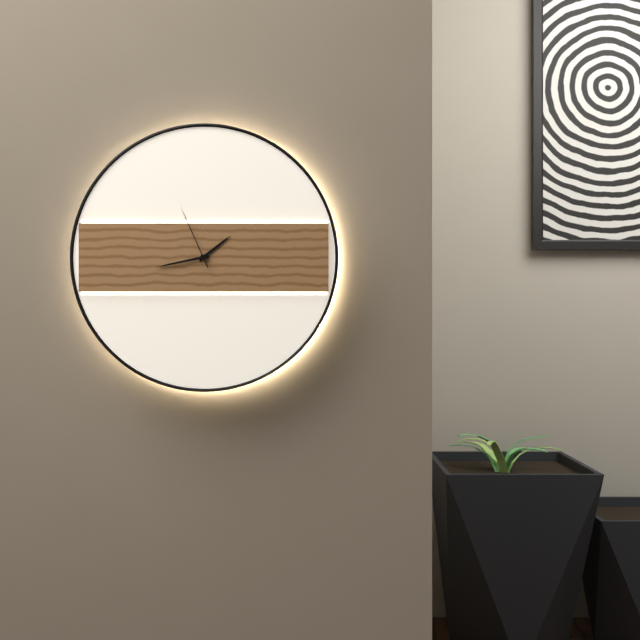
1:43:56
